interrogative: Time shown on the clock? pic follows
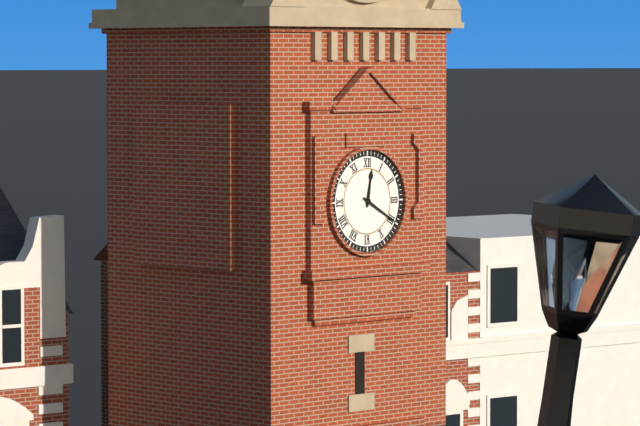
12:20
